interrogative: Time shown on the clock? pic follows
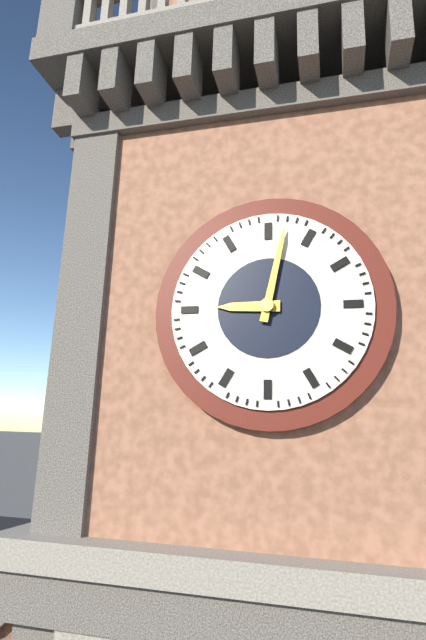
9:02
